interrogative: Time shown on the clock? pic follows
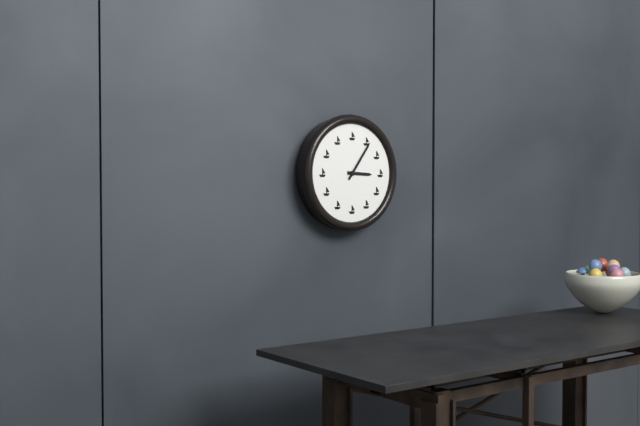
3:06
